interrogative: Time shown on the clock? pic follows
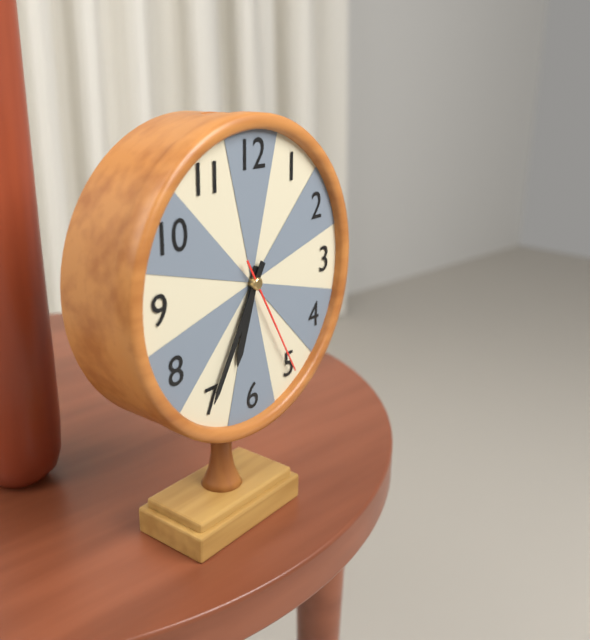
6:35:25
